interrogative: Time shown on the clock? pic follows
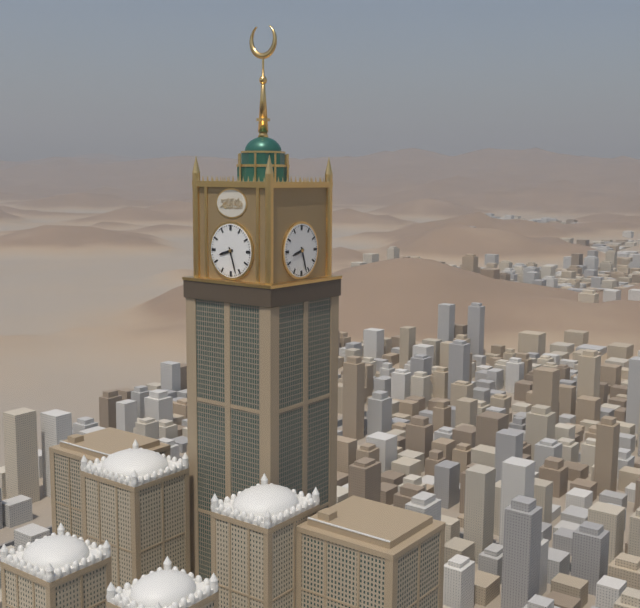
8:27
